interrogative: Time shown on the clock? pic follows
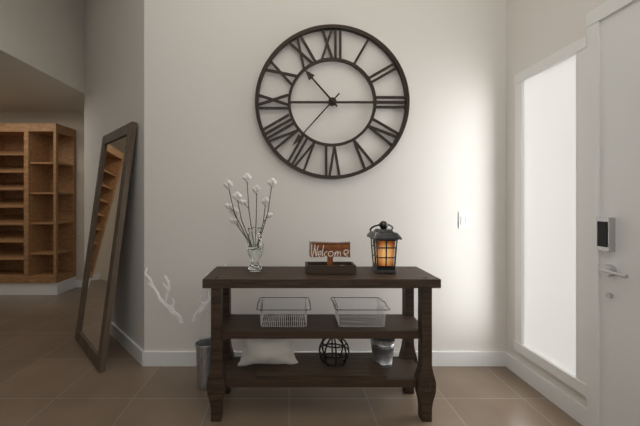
10:37
